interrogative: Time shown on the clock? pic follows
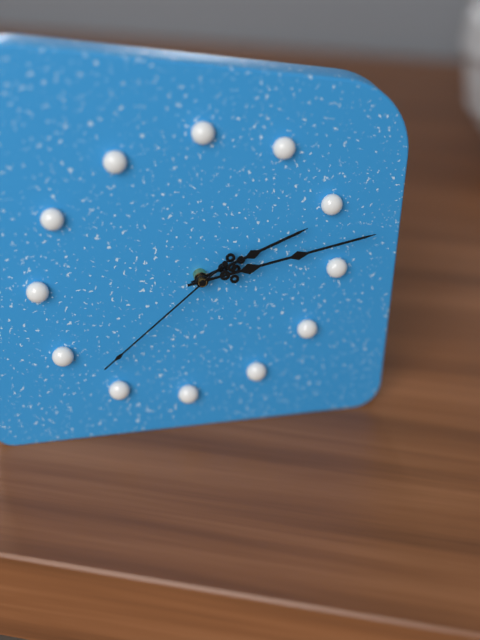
2:13:38
